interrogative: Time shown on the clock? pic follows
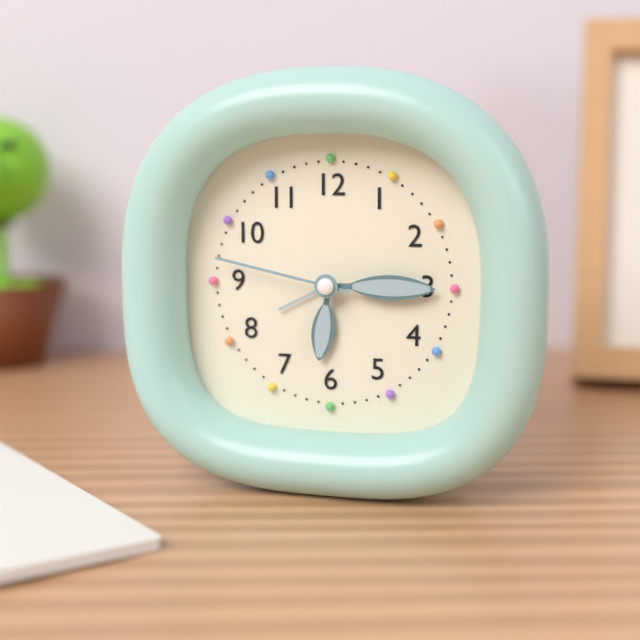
6:15:47
